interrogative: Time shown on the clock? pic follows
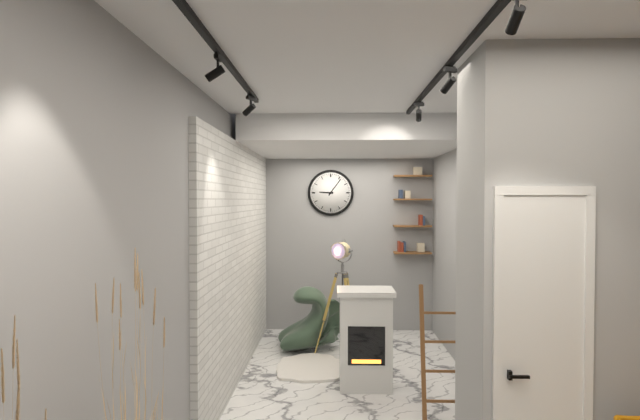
9:06
